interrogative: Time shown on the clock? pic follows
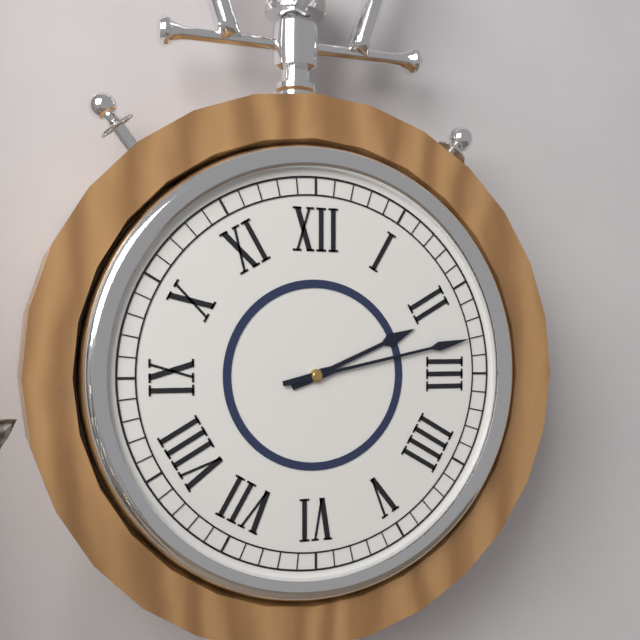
2:13
